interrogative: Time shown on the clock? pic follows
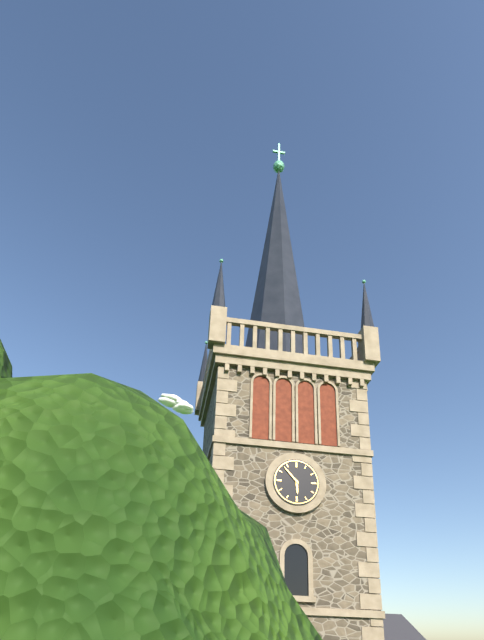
5:53
